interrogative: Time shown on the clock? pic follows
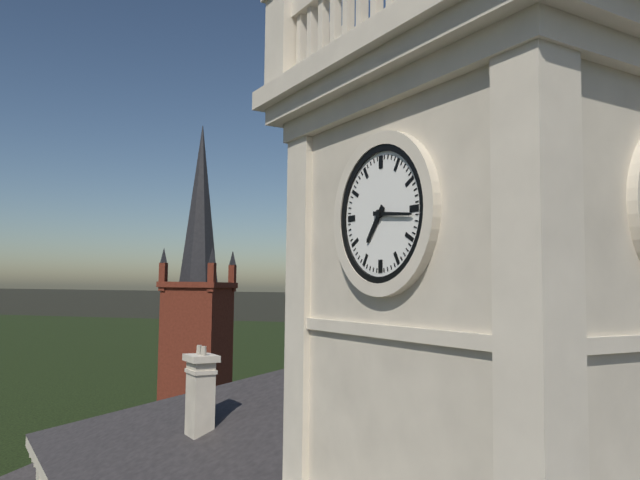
7:16
